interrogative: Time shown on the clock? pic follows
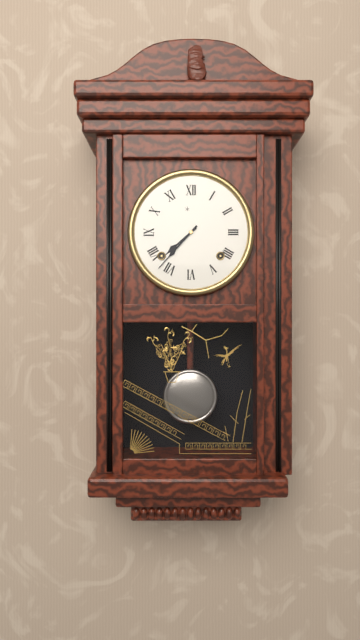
7:37
